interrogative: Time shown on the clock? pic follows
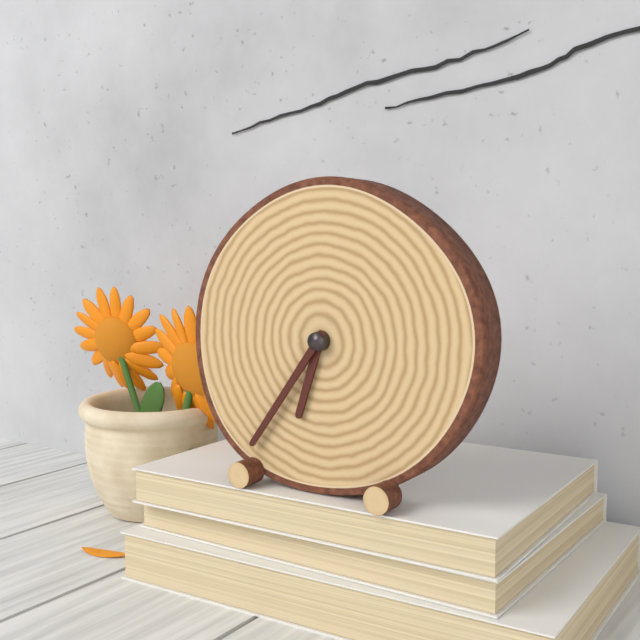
6:36
